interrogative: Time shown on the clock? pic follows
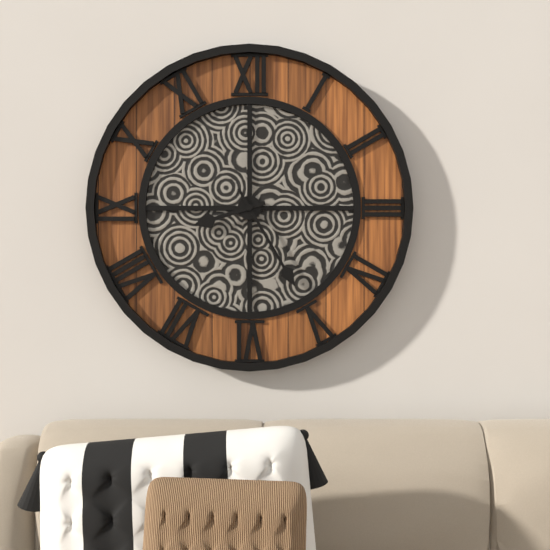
8:25
